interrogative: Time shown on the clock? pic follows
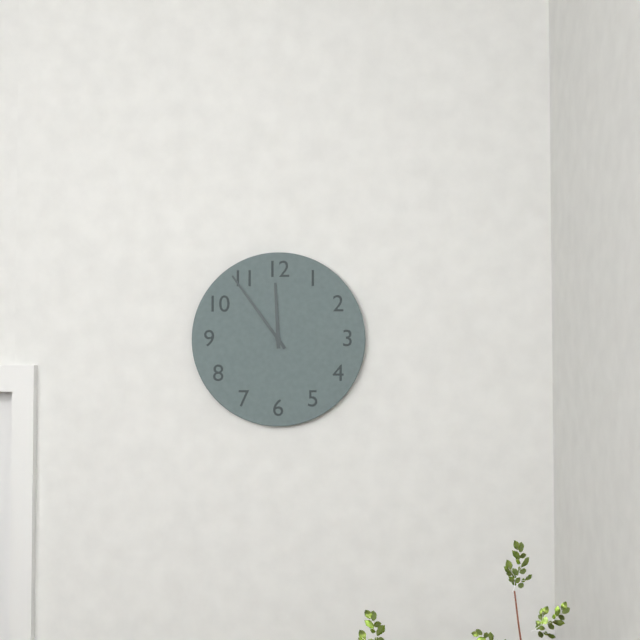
11:54
